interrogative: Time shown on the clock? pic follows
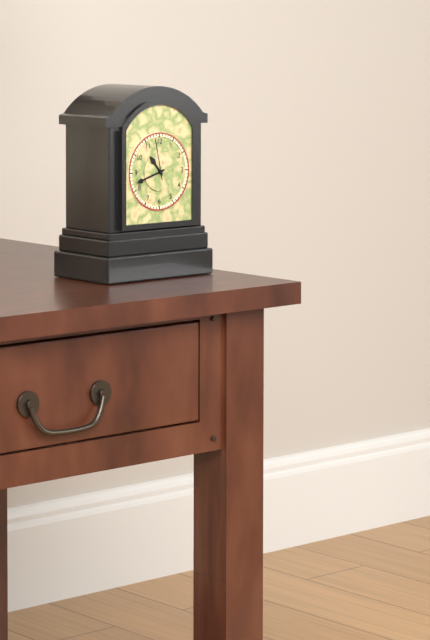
10:42
